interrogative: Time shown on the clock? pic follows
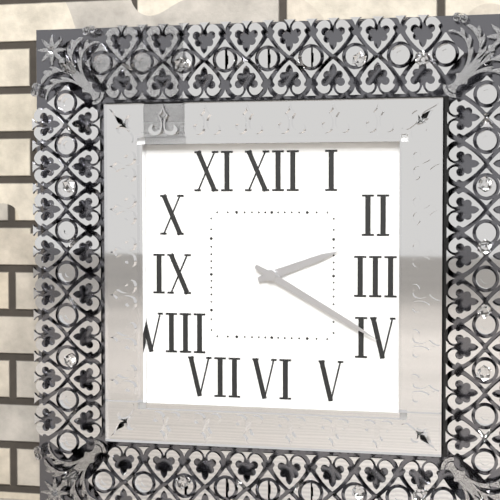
2:20
